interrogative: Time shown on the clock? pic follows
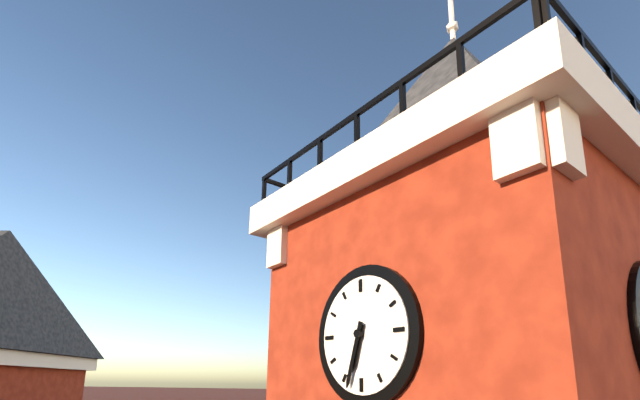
6:33
